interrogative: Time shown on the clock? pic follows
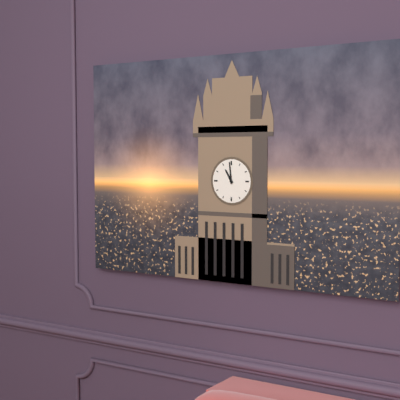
10:59
